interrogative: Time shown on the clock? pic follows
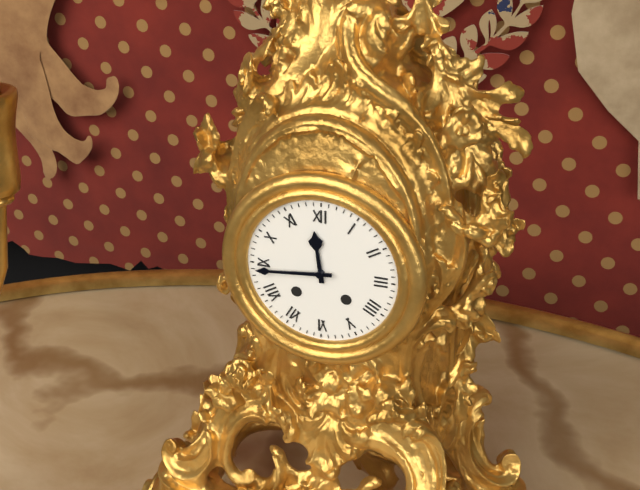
11:44
